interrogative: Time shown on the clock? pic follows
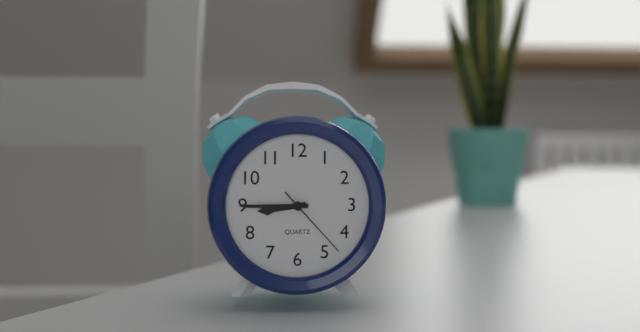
8:45:23
